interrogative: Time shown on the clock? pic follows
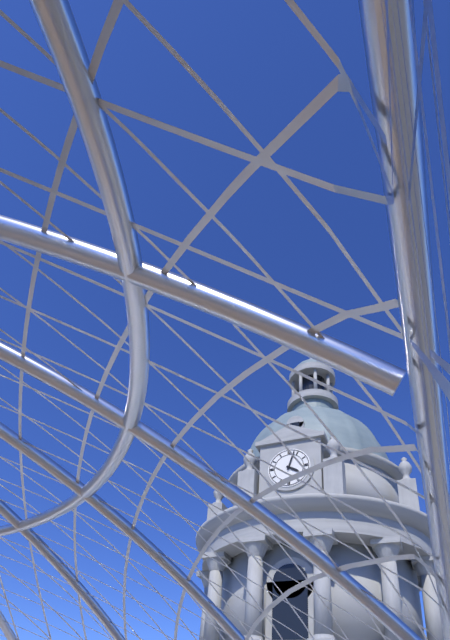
4:03
